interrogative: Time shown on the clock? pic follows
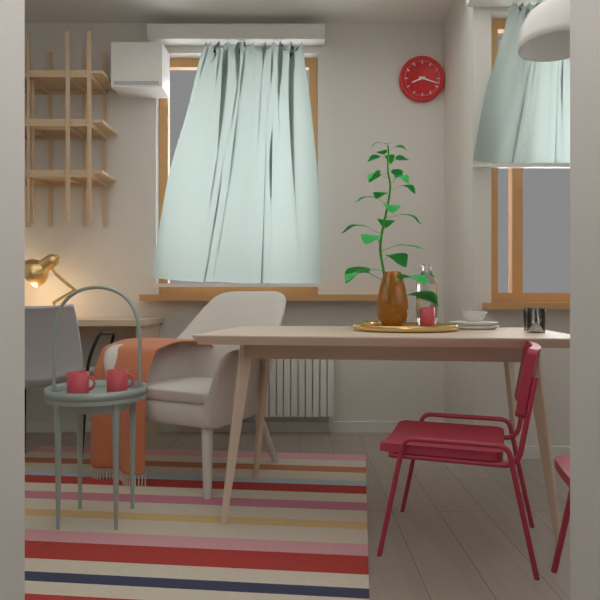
8:18
